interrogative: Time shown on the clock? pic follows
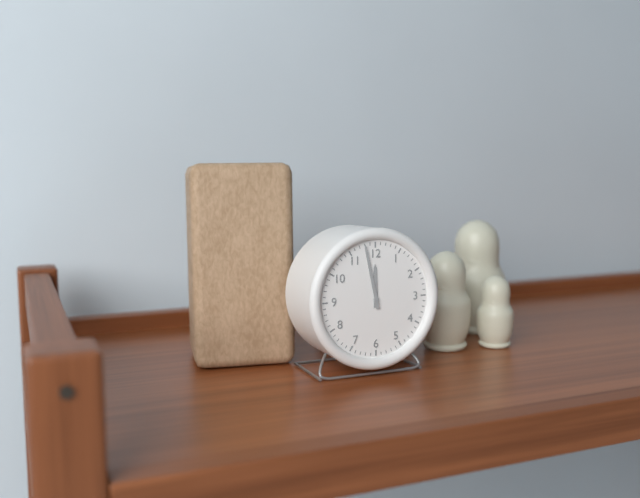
11:58
